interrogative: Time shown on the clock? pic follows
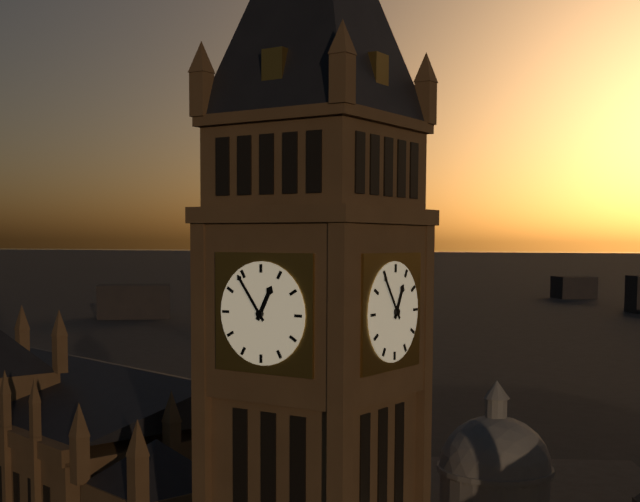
12:54
